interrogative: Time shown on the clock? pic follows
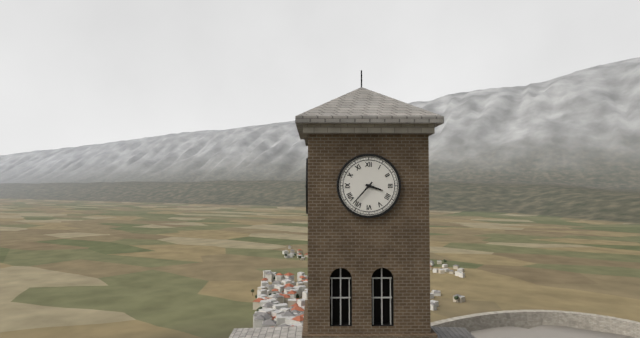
3:37
